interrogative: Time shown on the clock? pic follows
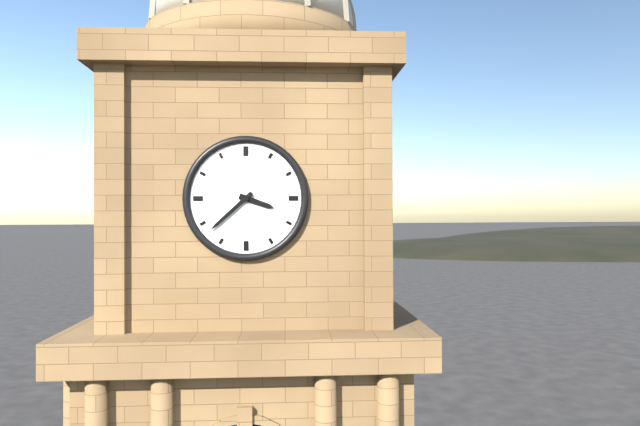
3:38
